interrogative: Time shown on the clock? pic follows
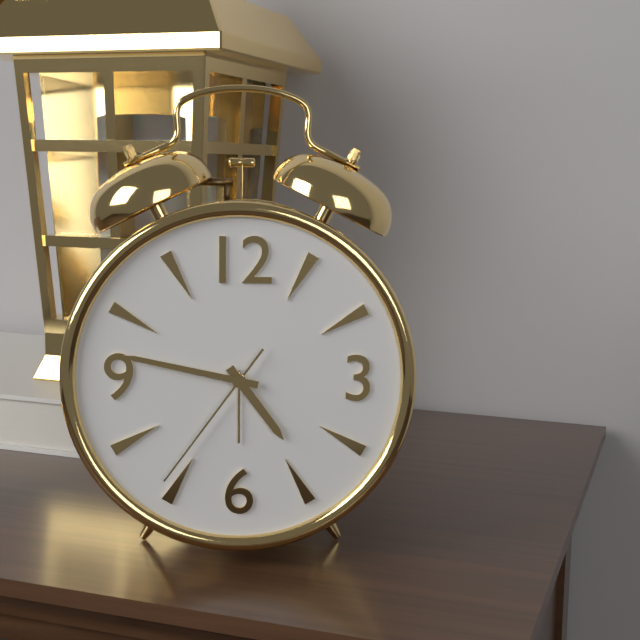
4:47:36
